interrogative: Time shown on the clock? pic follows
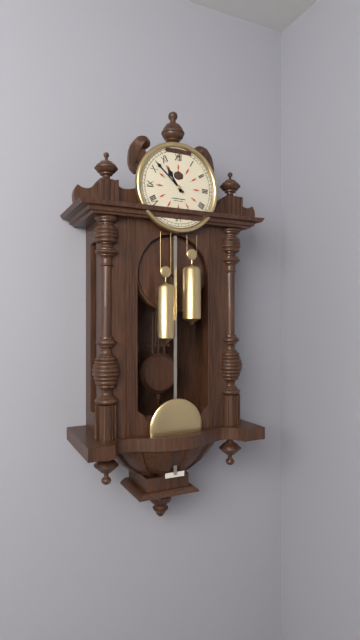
10:52
